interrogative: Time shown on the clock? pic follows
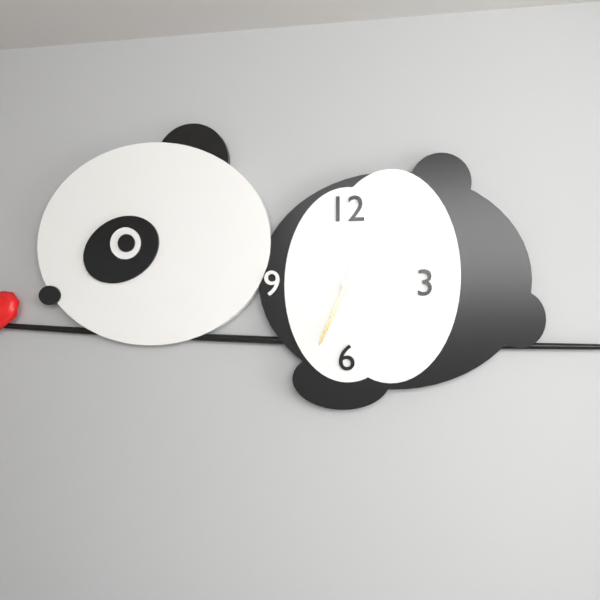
12:34
